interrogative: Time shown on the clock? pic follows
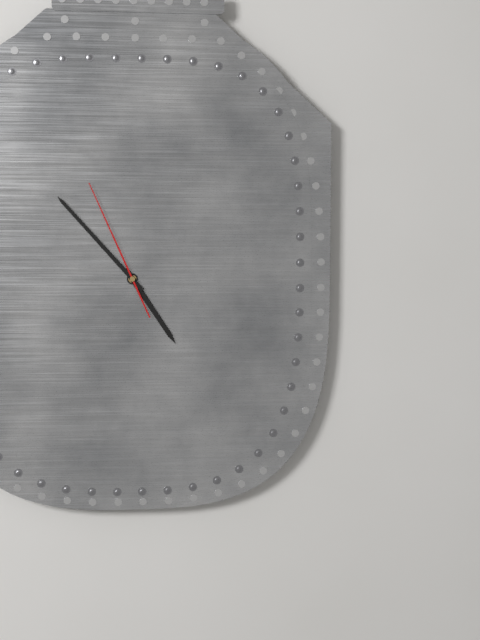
4:53:56
